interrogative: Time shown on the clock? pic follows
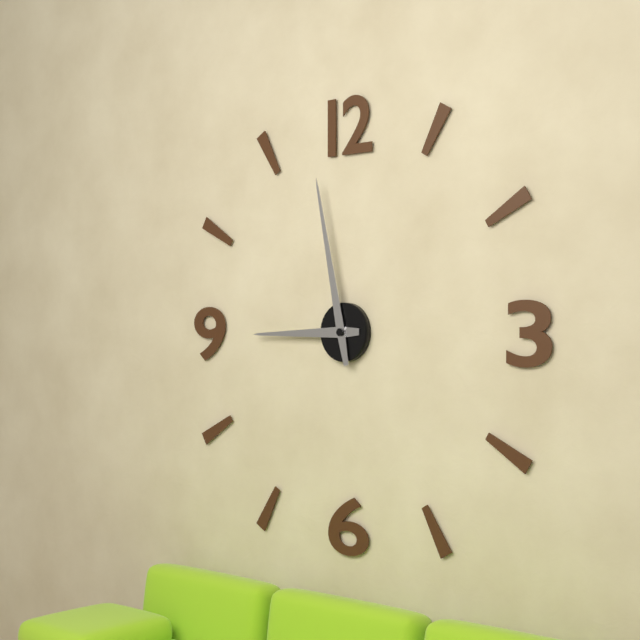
8:58
